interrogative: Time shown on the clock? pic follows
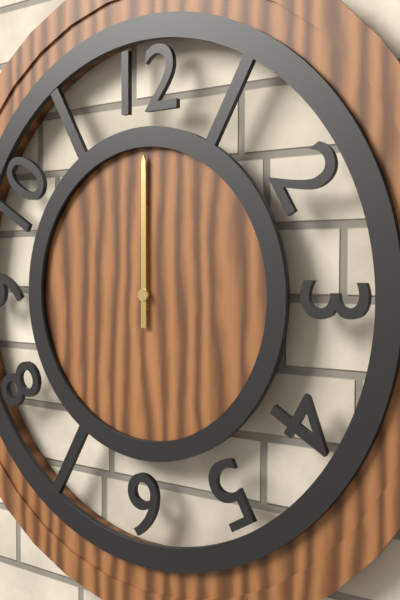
12:00
